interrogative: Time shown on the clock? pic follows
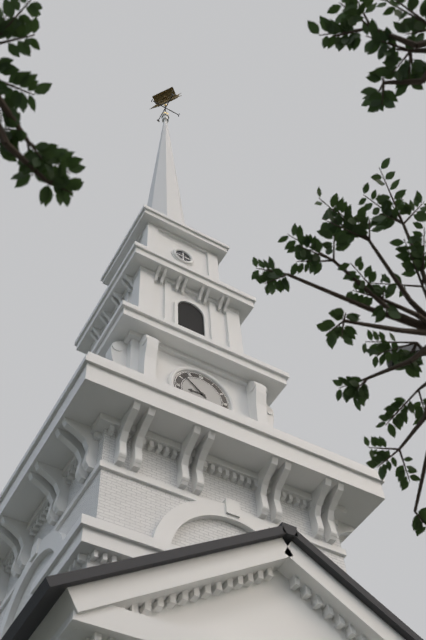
8:52
